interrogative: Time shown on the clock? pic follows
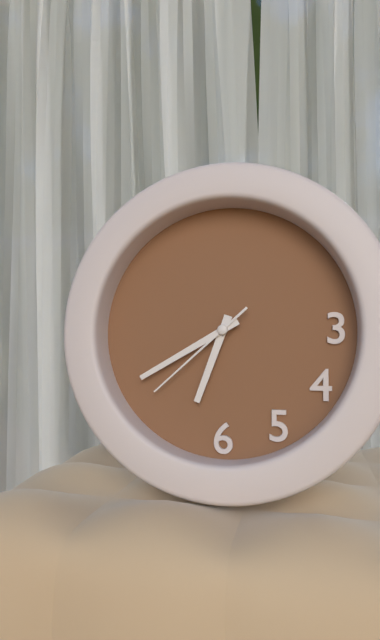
6:40:38
